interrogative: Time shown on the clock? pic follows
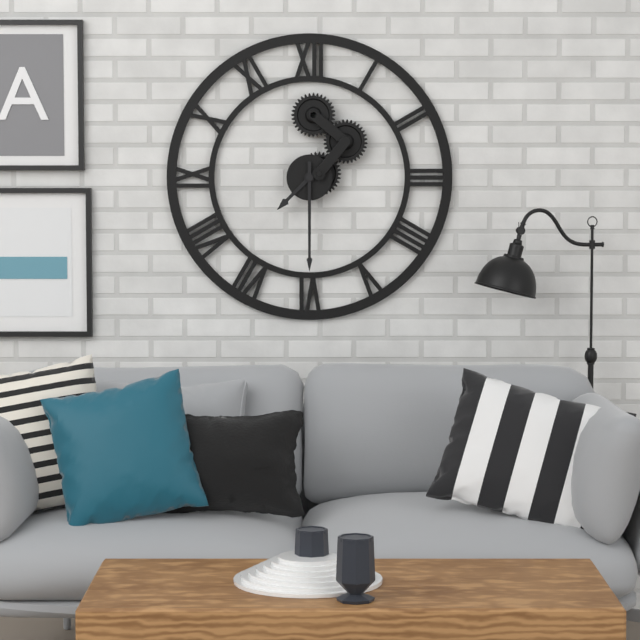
7:30
